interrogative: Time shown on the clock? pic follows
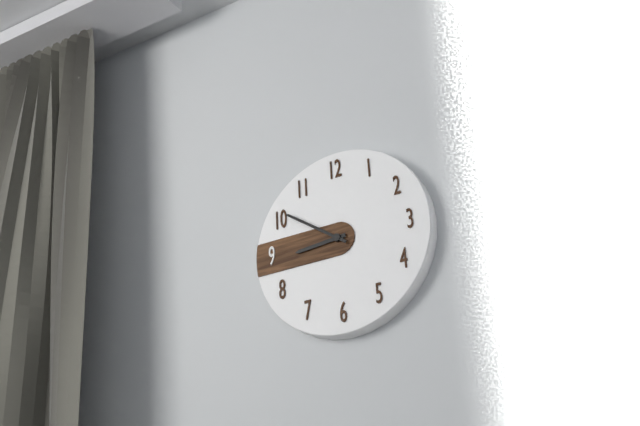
8:51
